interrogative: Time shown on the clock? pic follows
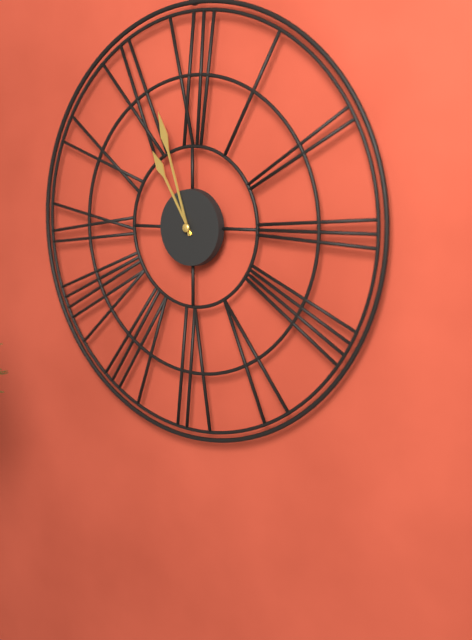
10:57
